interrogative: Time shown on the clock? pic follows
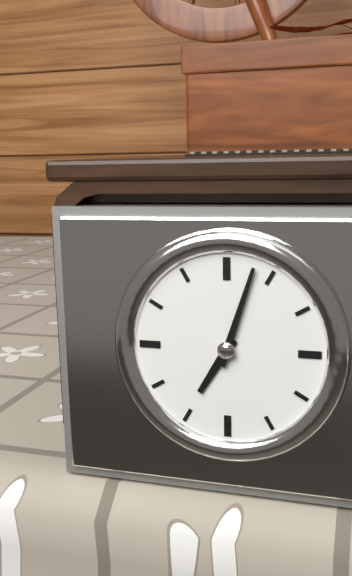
7:03
